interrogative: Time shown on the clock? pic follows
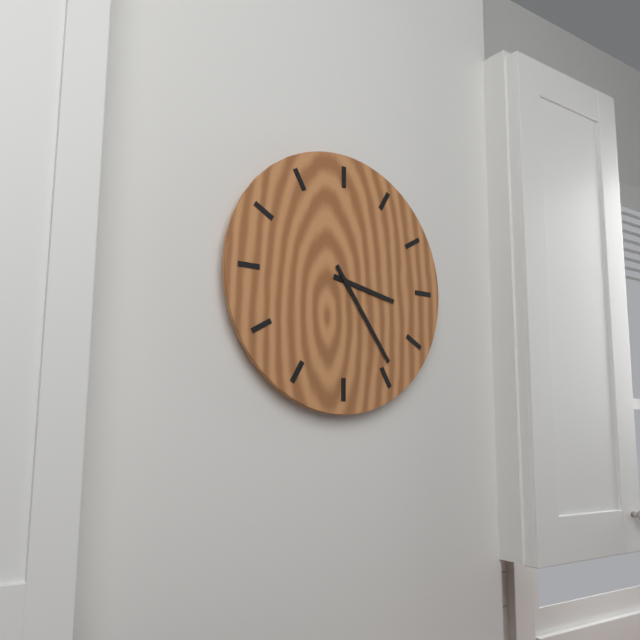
3:24
